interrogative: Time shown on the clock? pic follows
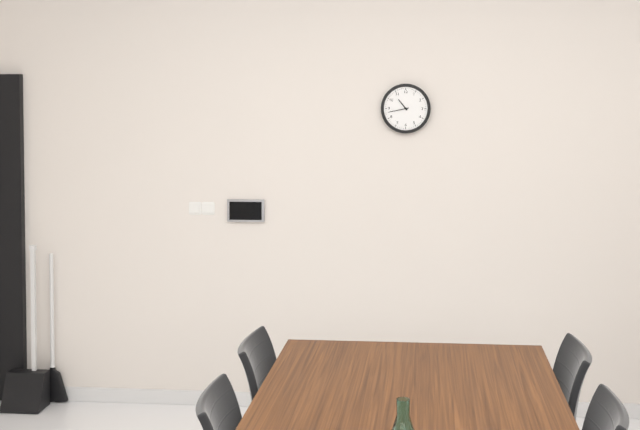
10:43
